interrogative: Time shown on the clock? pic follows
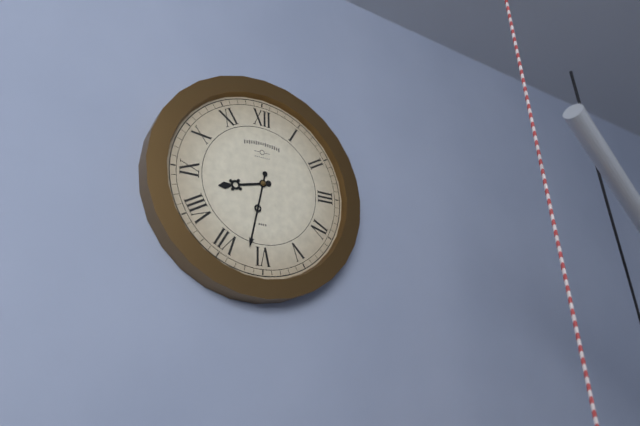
8:32
